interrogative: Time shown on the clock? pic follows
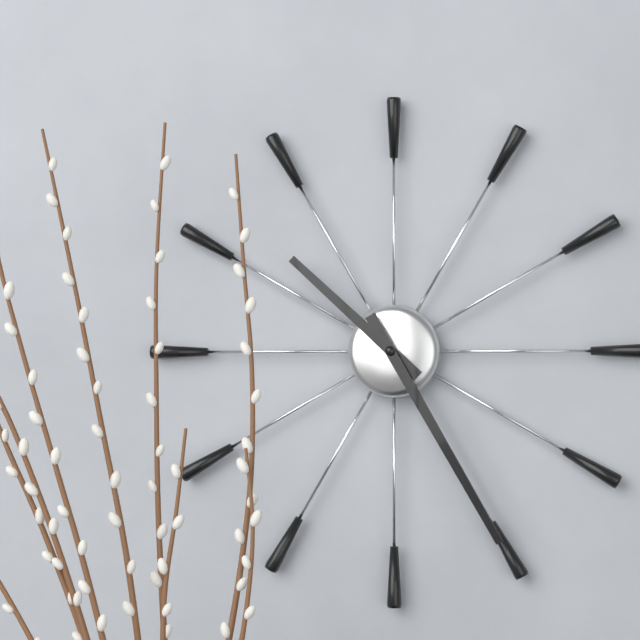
10:25
